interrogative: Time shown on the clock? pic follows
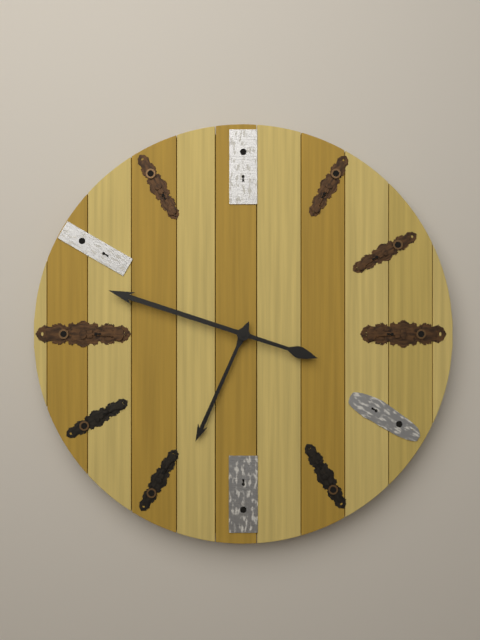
6:48
